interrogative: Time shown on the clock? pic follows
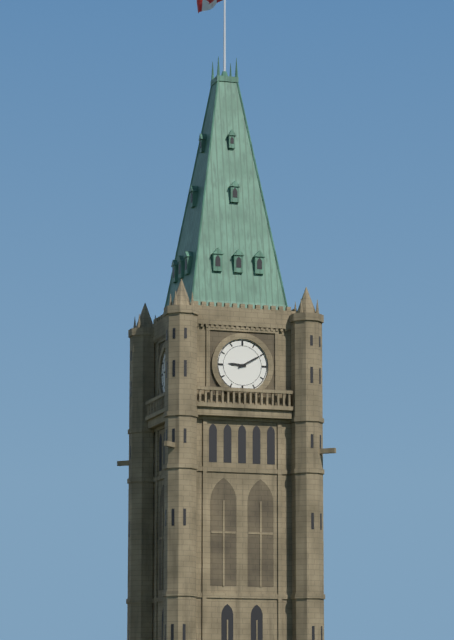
9:10
